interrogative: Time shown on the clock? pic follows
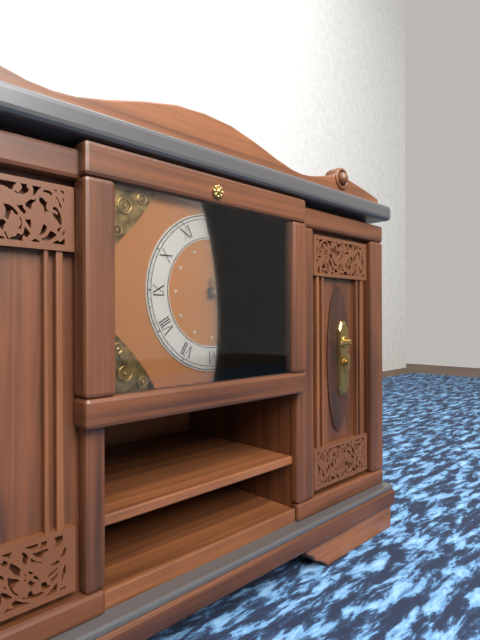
4:10:28
